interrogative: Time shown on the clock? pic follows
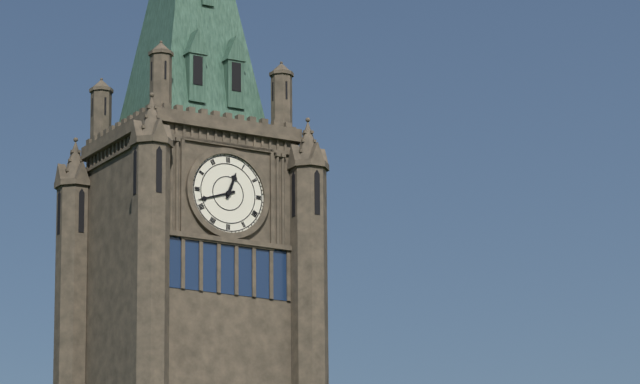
12:42
